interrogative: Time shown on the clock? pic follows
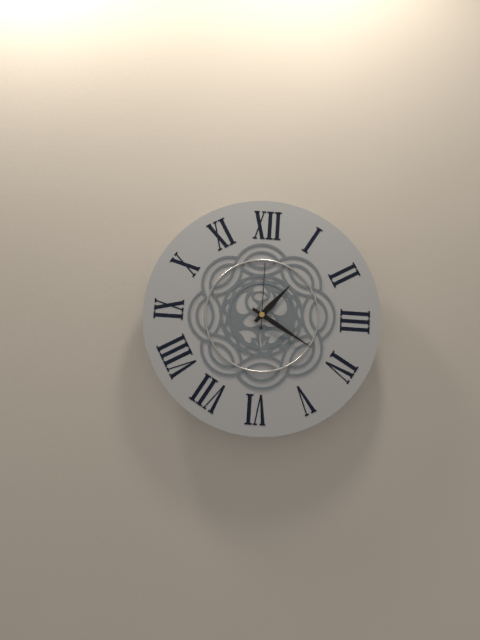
1:20:00
